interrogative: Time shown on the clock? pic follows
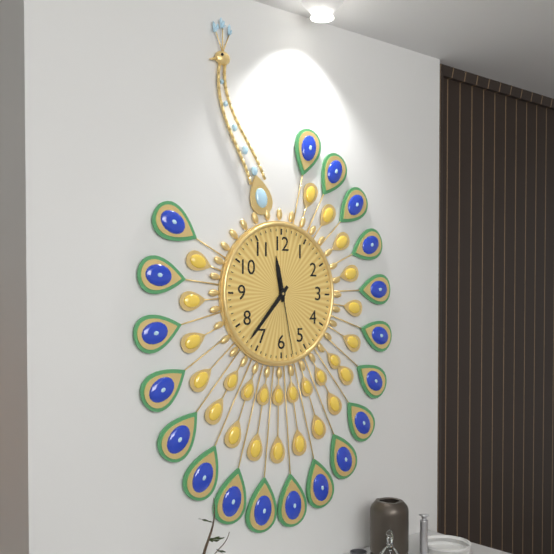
11:37:28
